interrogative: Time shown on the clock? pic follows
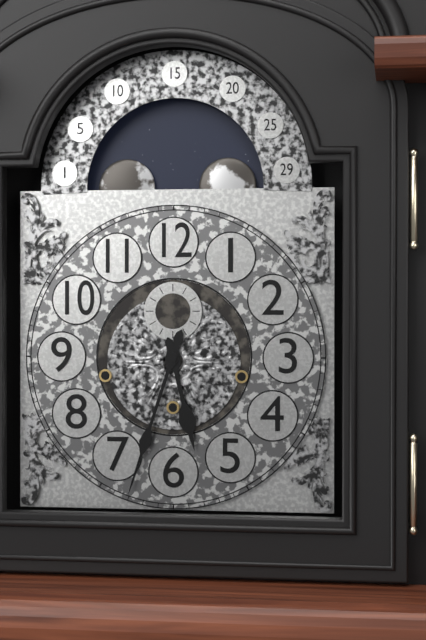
5:33
